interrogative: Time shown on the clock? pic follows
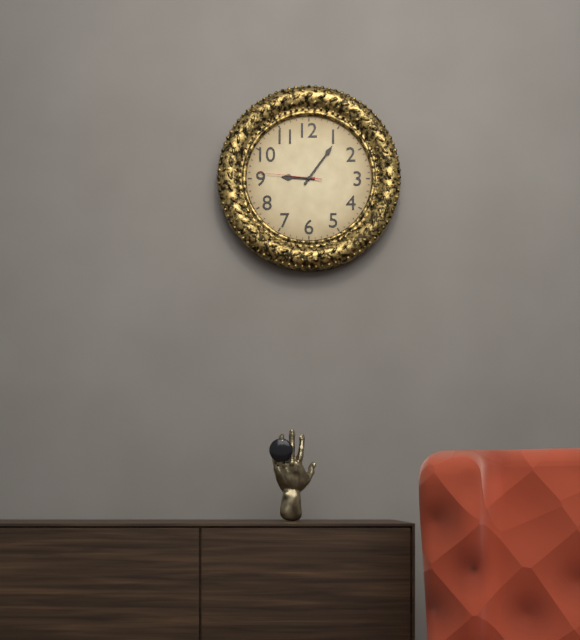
9:06:46
